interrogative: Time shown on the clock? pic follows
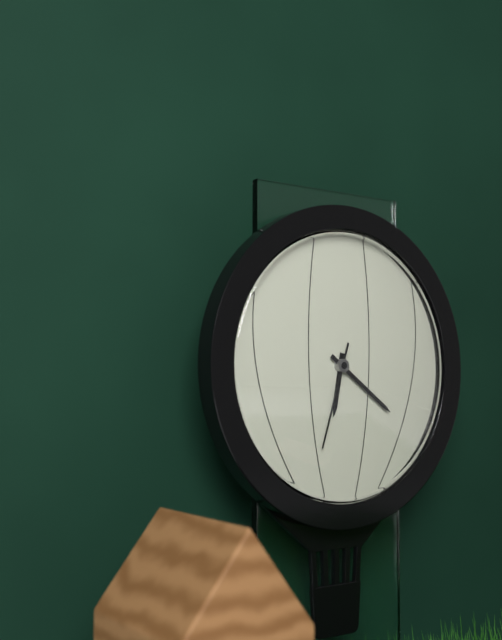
6:21:33
